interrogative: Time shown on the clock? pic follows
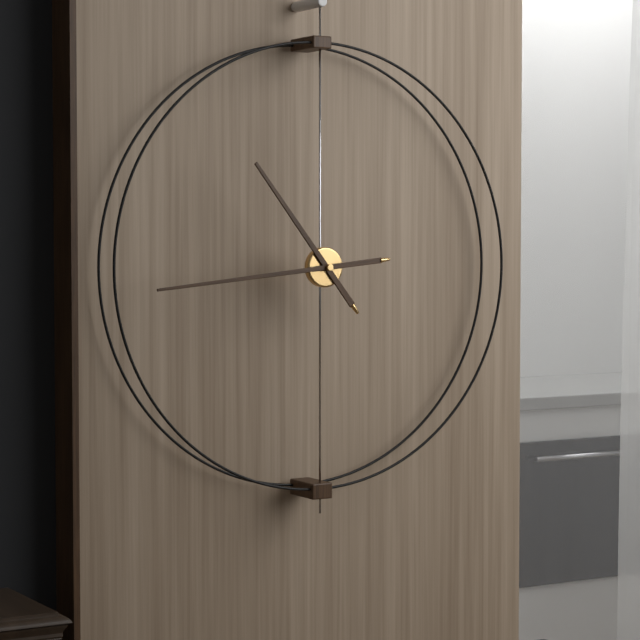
10:44
